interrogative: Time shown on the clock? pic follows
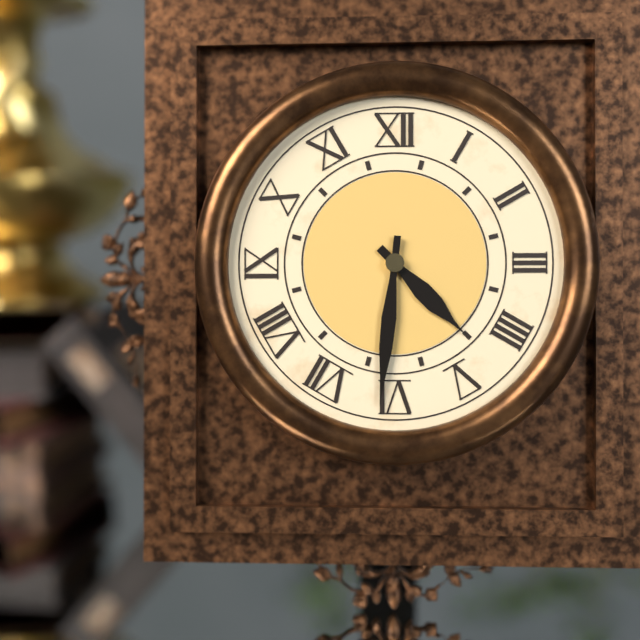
4:31
